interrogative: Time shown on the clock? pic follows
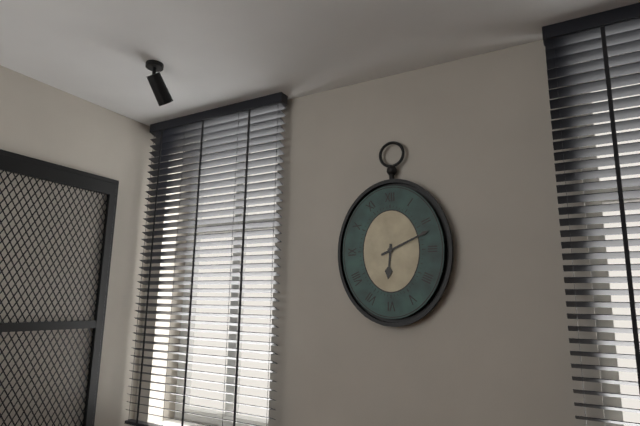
6:11
